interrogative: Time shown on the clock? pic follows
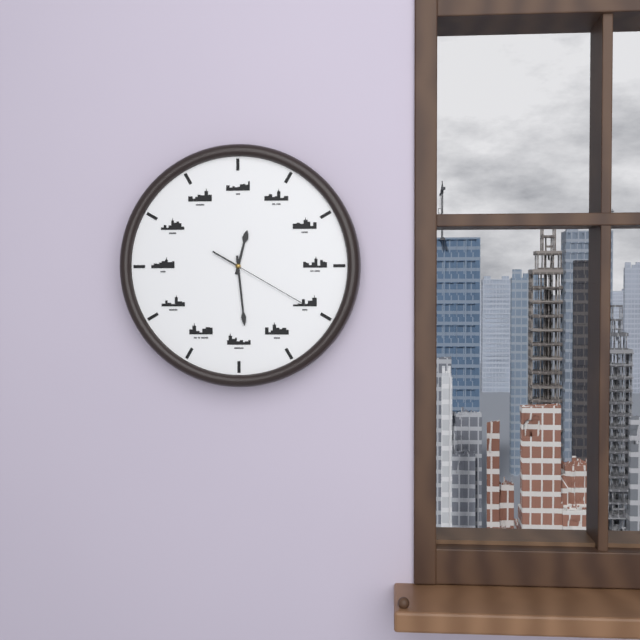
12:29:20
